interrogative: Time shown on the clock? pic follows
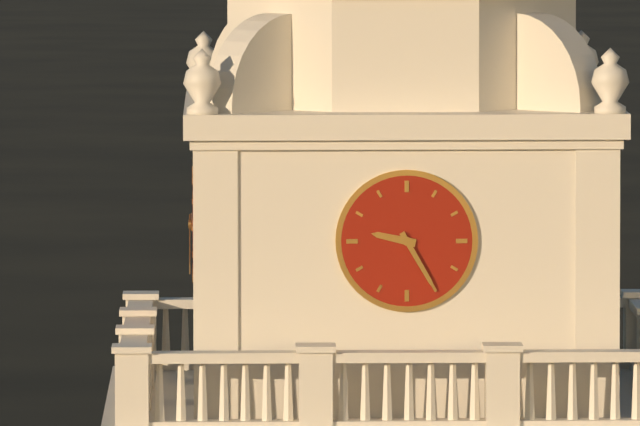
9:25
